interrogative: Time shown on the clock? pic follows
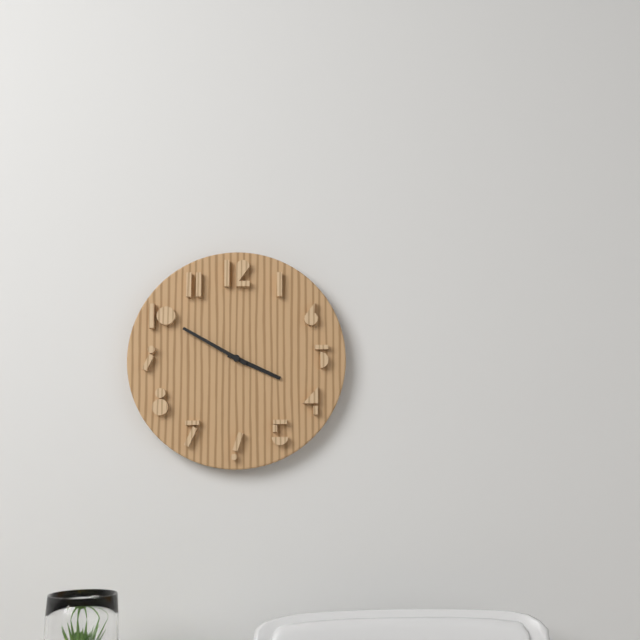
3:50
